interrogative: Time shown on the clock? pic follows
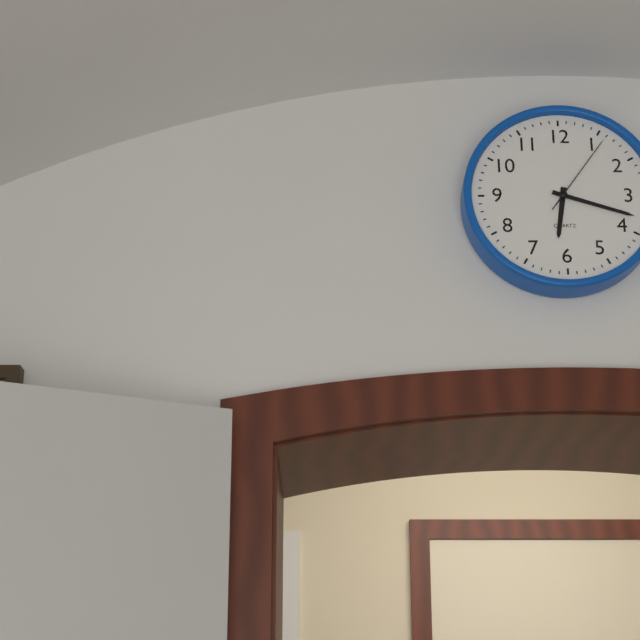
6:18:06
